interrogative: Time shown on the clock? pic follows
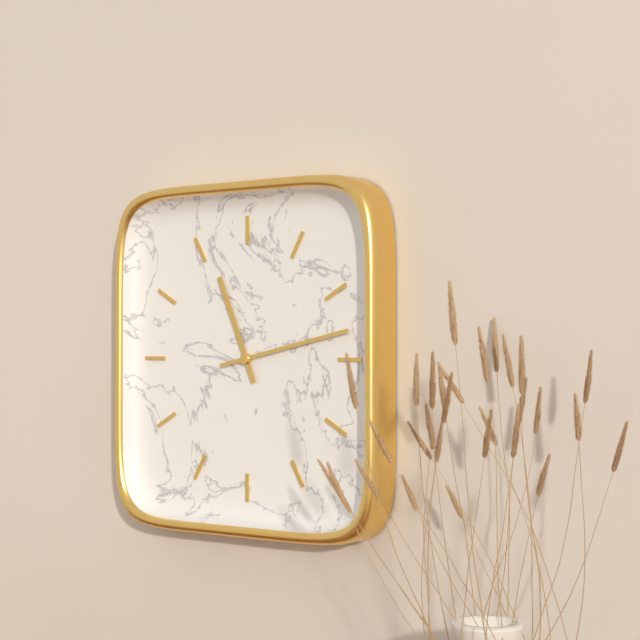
11:13
